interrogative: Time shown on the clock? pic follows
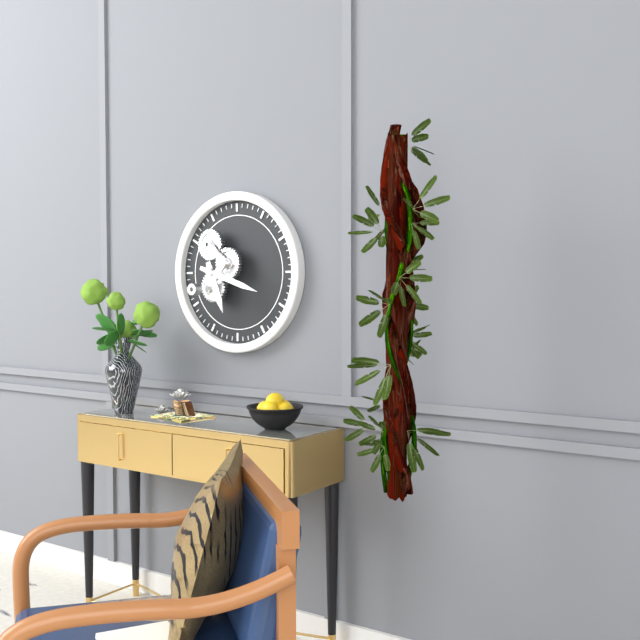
5:18
